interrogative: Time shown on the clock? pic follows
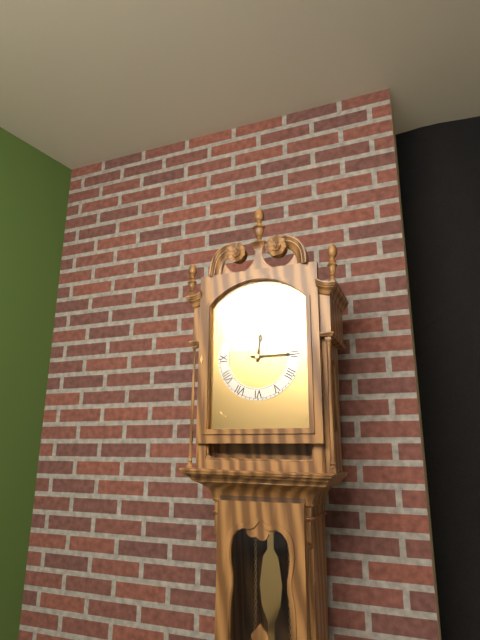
12:15
